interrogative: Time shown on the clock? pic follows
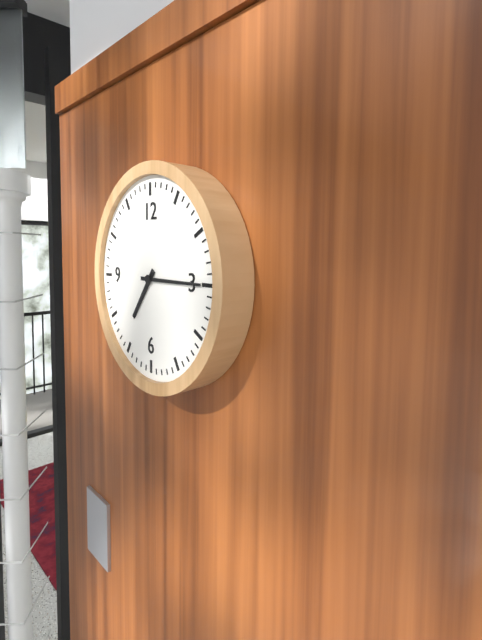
7:15
